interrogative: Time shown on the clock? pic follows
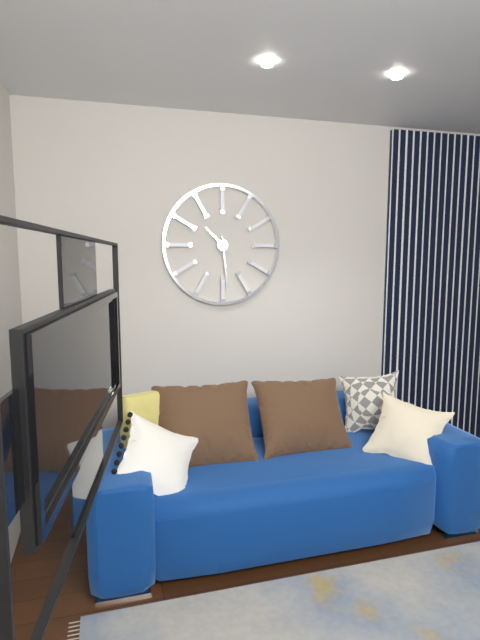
10:29
